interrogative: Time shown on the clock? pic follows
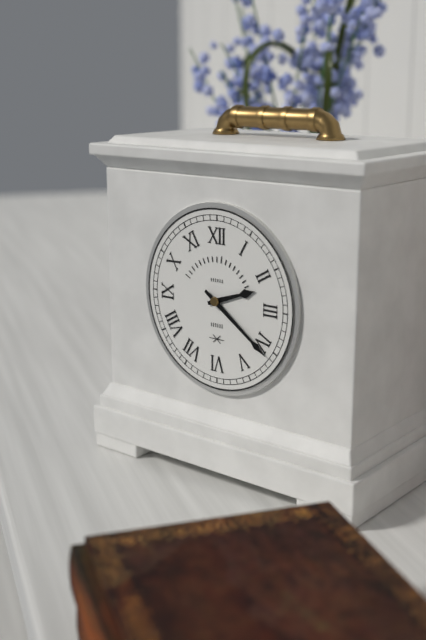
2:21
